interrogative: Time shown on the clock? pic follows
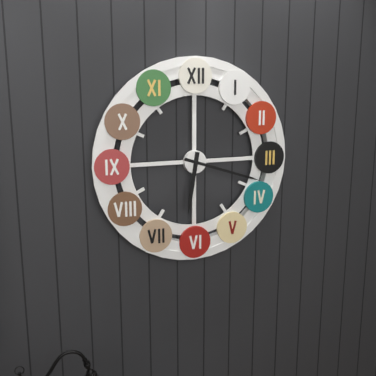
6:18
